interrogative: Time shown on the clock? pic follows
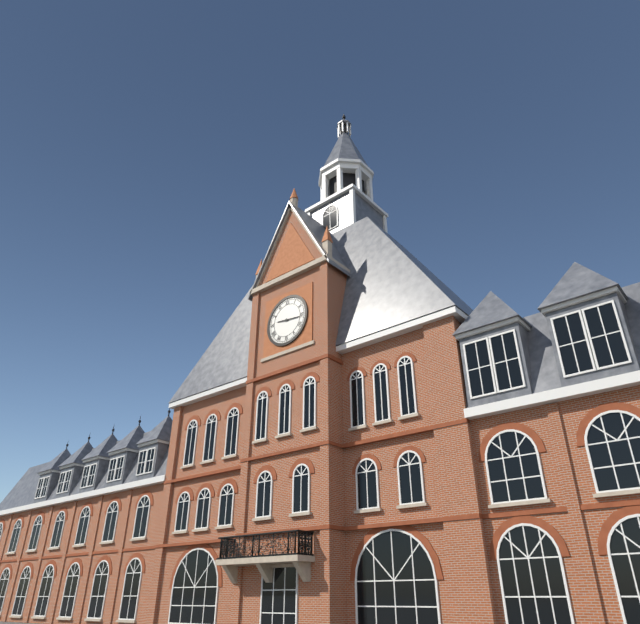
9:16
